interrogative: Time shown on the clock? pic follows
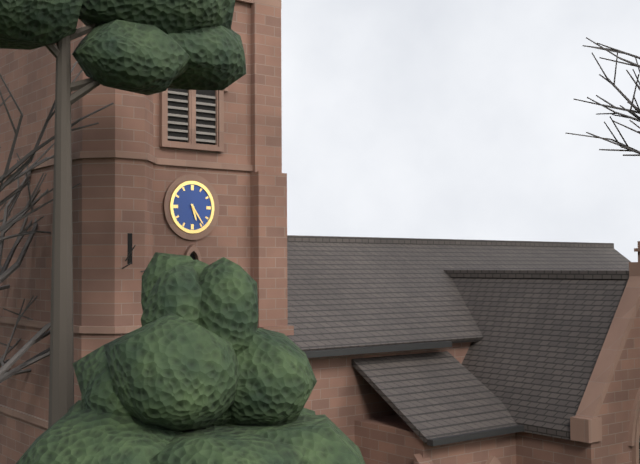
5:24
